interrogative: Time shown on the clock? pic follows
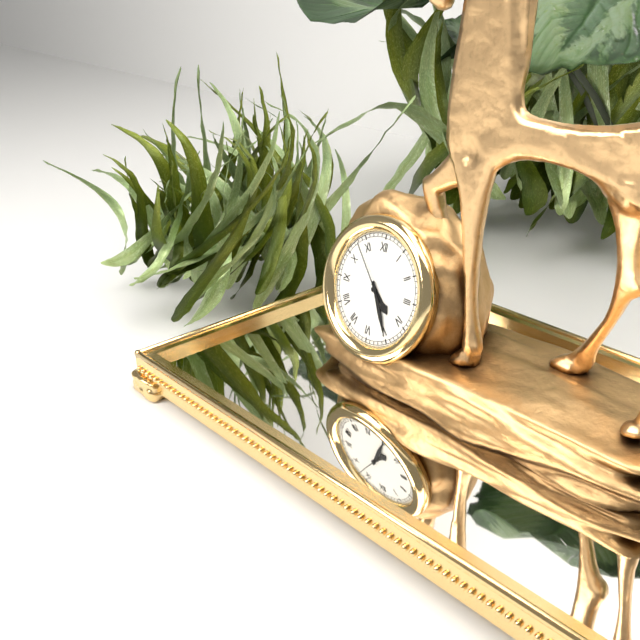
4:25:53
